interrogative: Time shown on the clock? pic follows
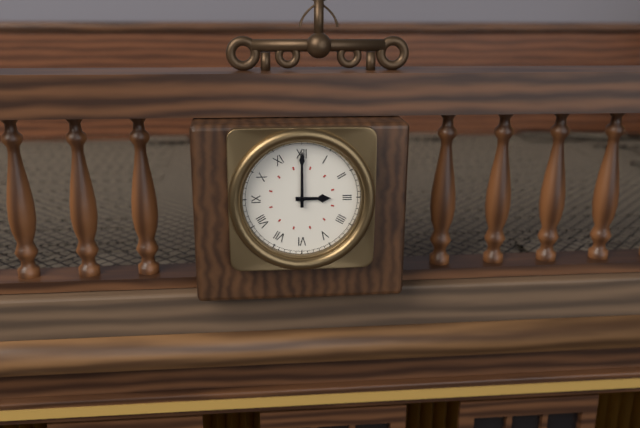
3:00
